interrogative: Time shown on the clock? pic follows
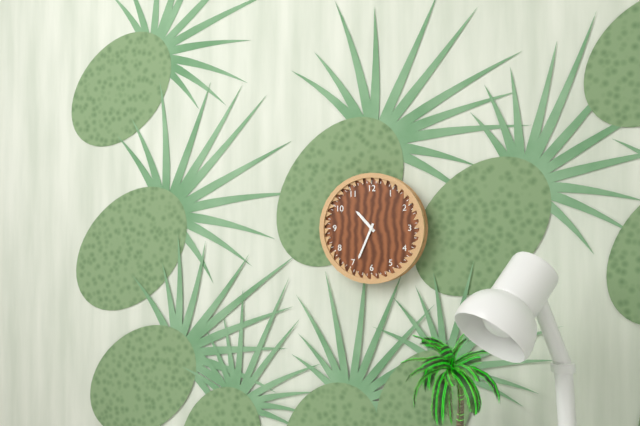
10:34
